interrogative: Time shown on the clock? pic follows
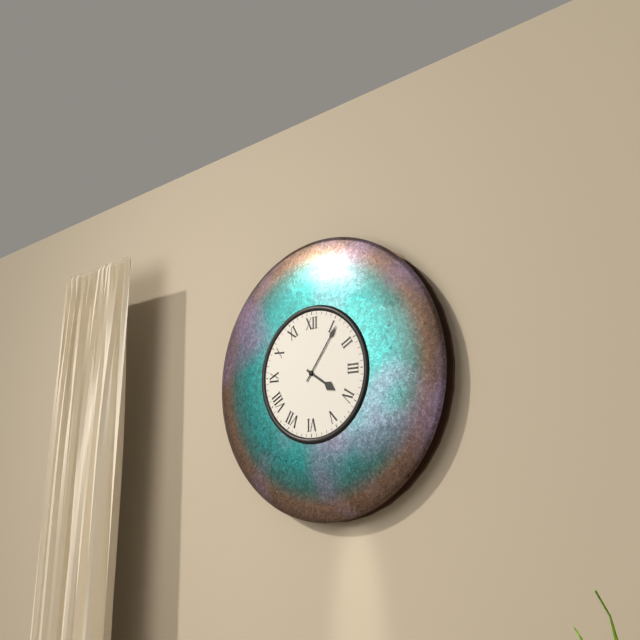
4:06
